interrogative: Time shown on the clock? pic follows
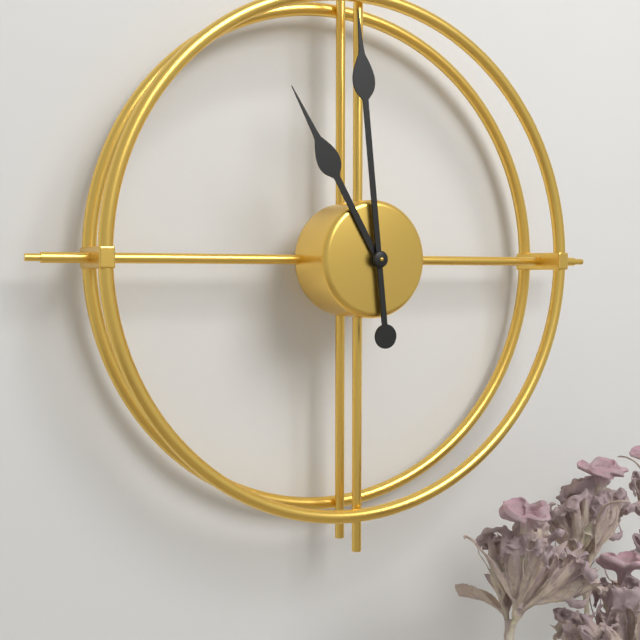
10:59
